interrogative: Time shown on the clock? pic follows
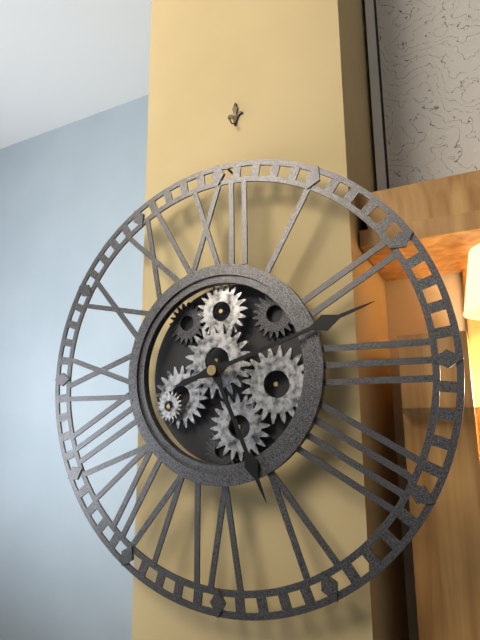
5:12
